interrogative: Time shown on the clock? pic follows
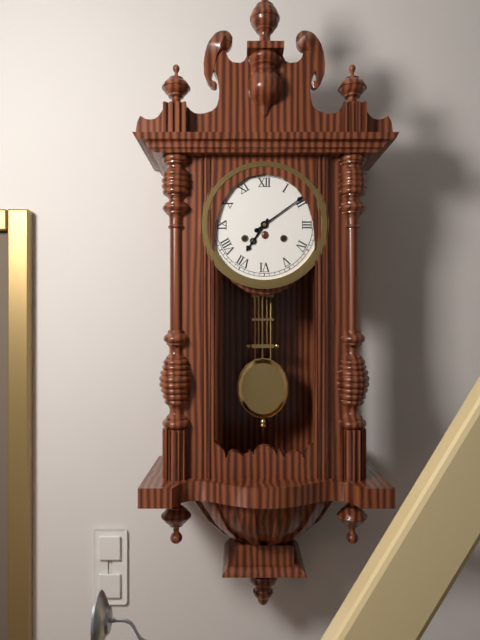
7:09
